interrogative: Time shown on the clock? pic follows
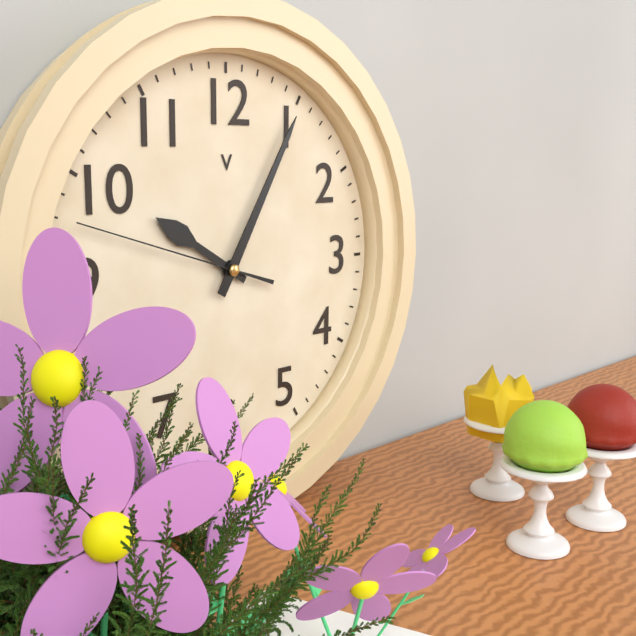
10:05:48
